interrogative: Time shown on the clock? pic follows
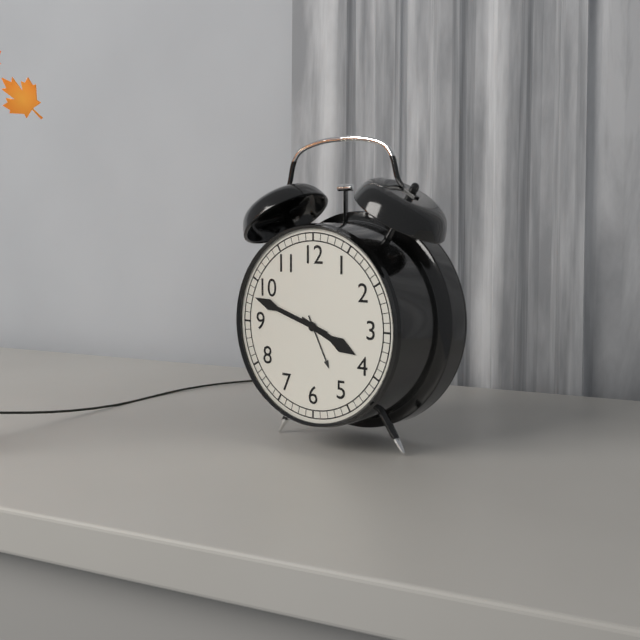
3:48
